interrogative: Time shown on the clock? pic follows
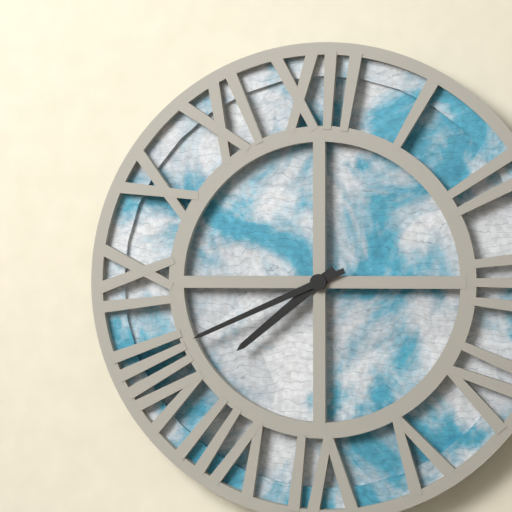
7:41
